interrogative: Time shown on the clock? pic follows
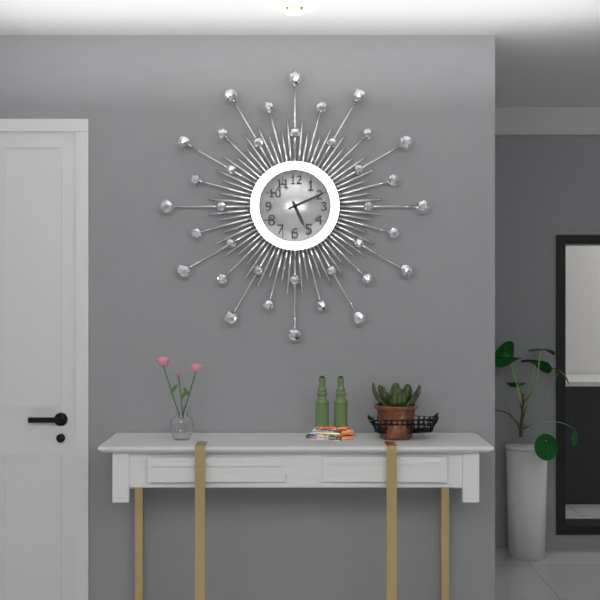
5:11
